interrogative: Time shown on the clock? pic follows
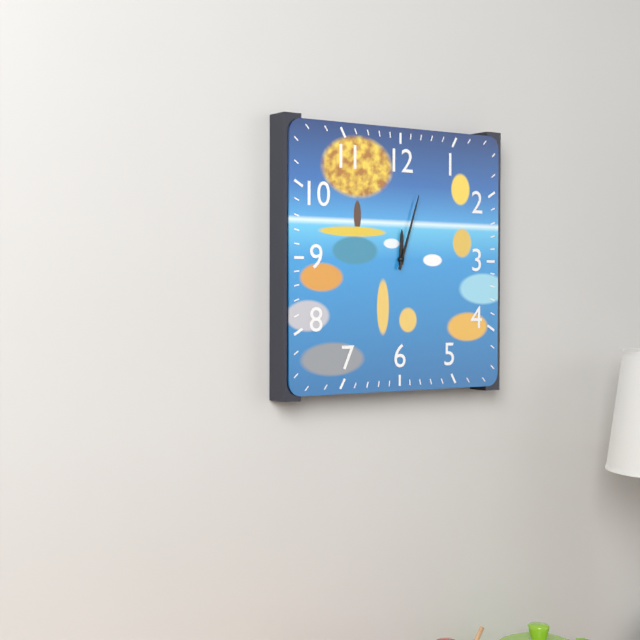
12:03
